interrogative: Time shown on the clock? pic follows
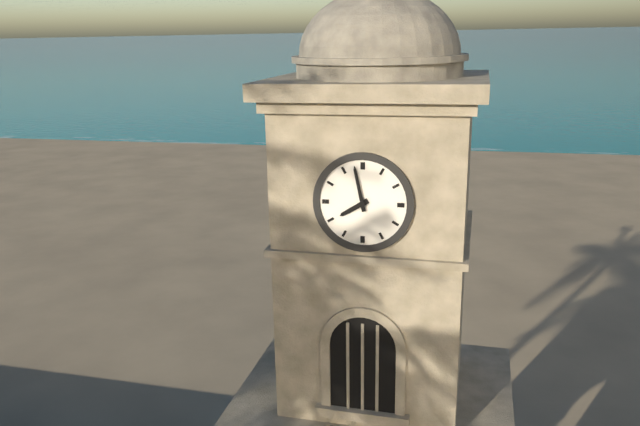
7:58
